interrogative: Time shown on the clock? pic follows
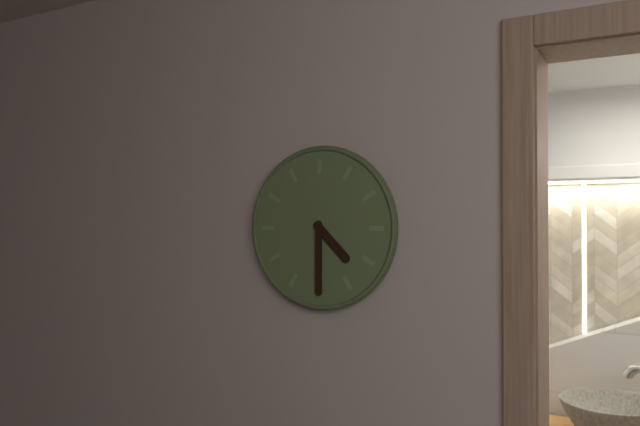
4:30
